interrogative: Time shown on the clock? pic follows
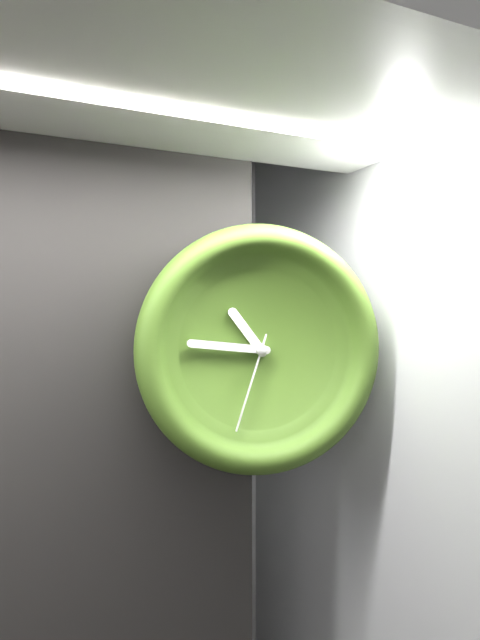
10:46:33
